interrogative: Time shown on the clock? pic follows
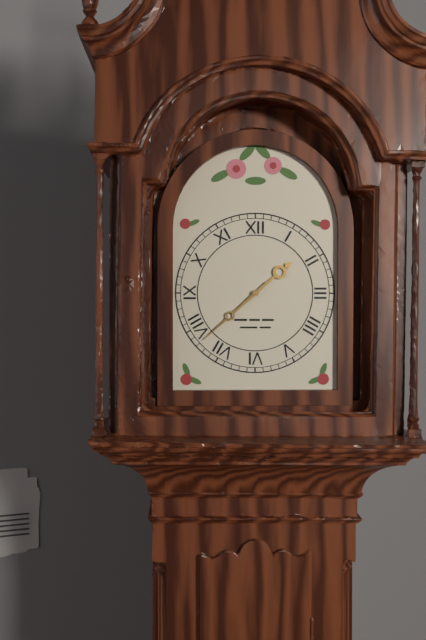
1:38
